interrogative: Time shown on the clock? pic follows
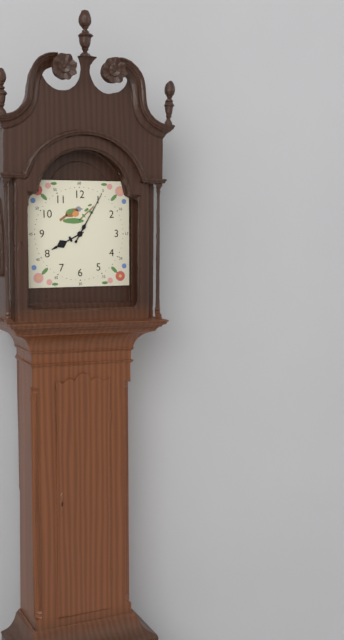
8:05
